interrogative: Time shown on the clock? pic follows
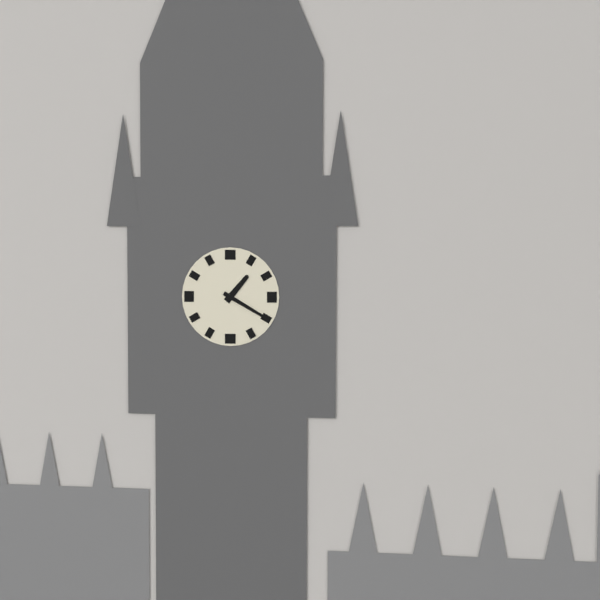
1:20
